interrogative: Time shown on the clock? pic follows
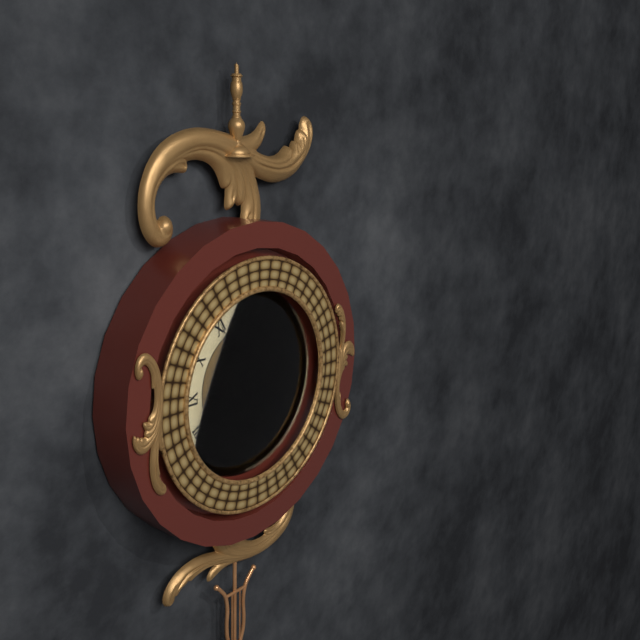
3:32:55
